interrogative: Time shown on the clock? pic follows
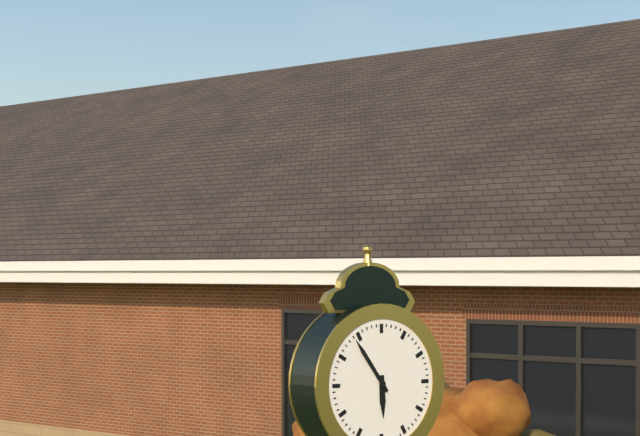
5:54
